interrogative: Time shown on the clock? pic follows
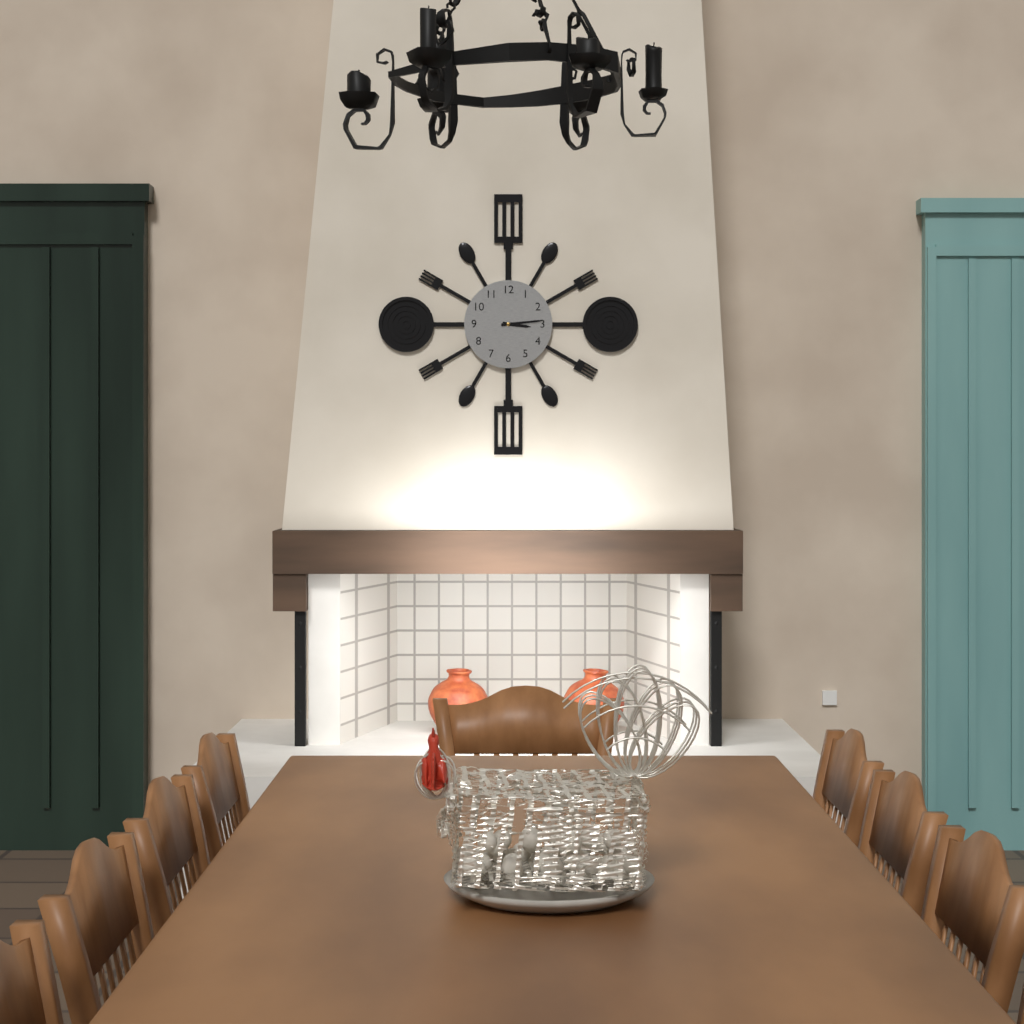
3:14
